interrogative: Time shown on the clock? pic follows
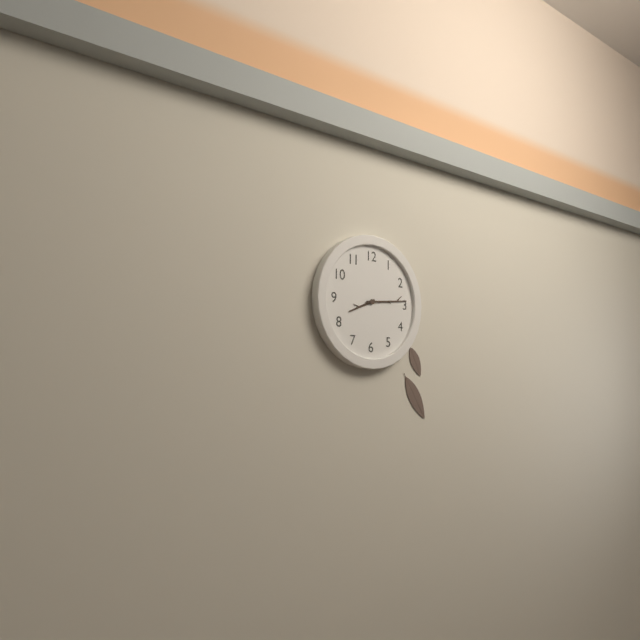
8:14
